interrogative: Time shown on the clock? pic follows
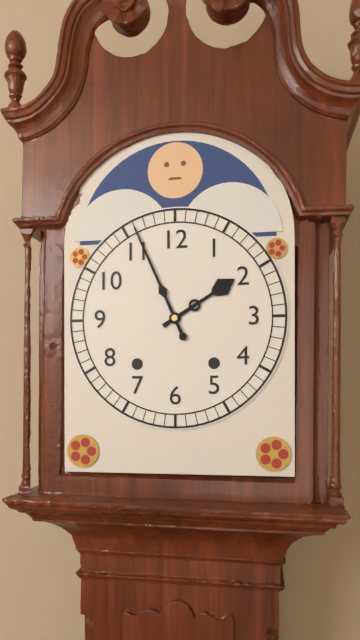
1:56
